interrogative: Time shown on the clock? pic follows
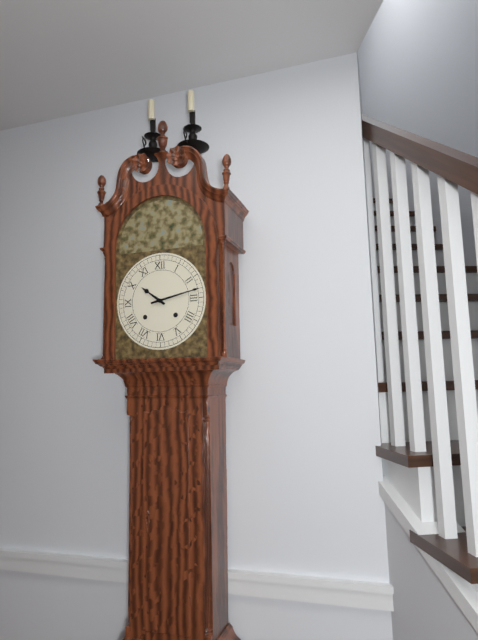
10:13
